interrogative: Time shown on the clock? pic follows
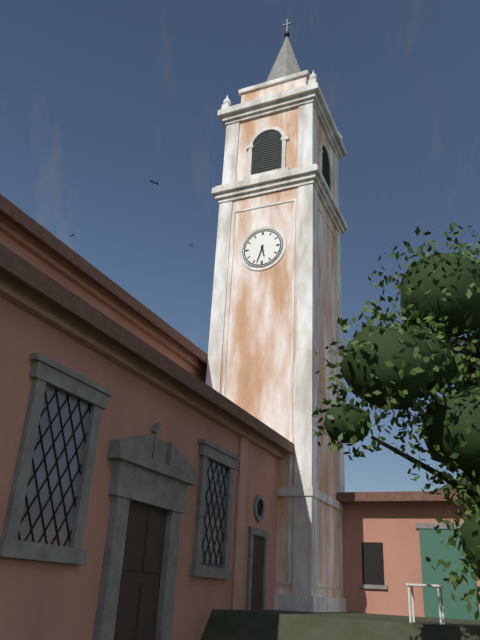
5:33
